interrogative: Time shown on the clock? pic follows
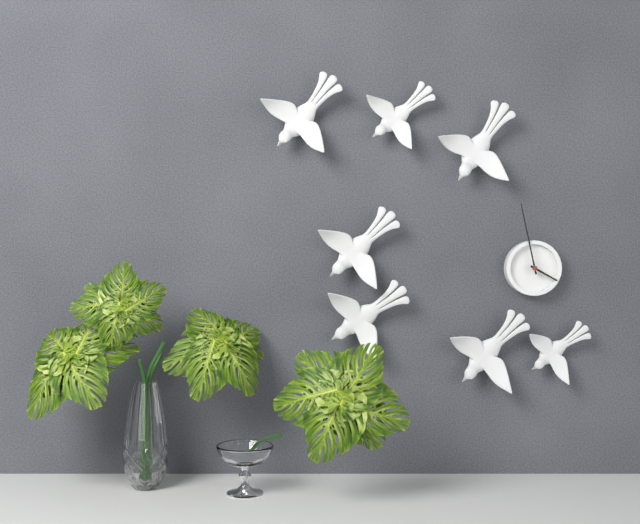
3:58
